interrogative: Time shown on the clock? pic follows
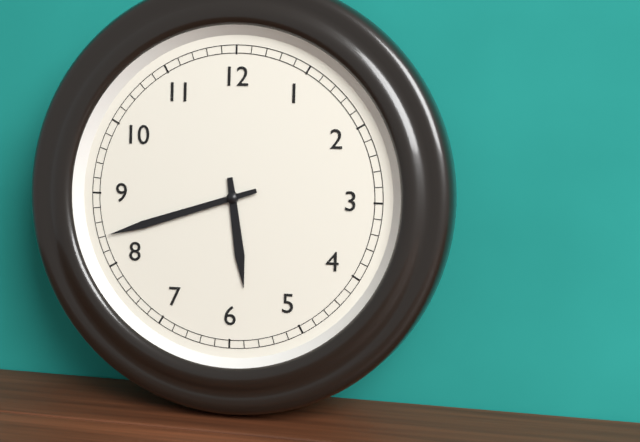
5:42
